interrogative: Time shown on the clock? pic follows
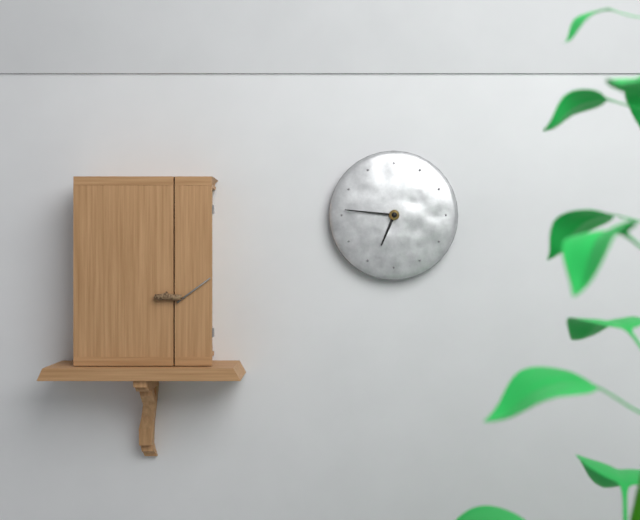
6:46
